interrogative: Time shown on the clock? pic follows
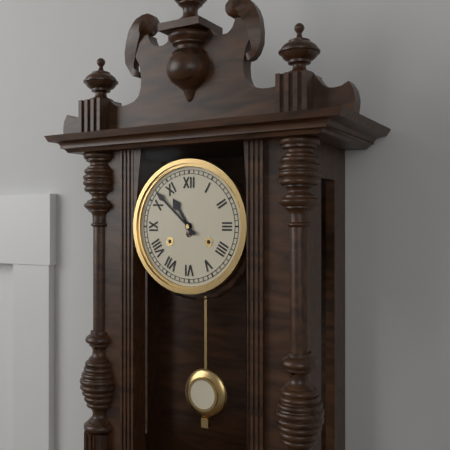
10:52
